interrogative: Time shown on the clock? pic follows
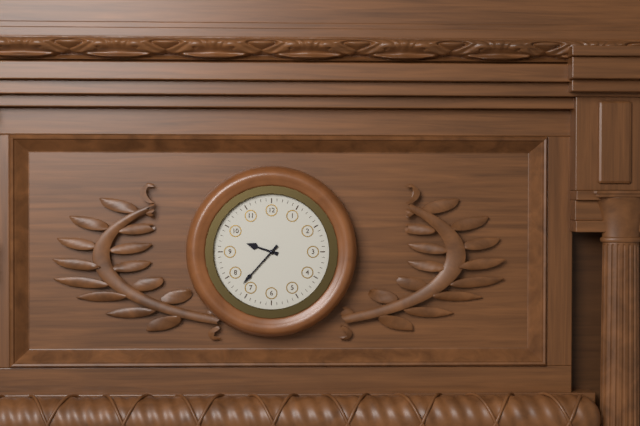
9:37
